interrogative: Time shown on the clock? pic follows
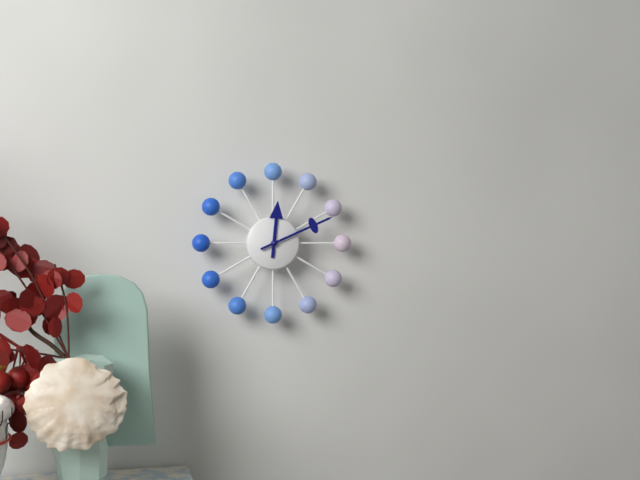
12:11
